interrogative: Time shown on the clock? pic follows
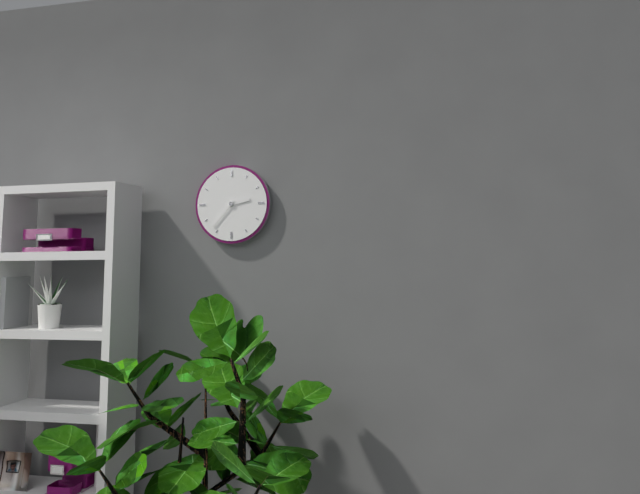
2:37
